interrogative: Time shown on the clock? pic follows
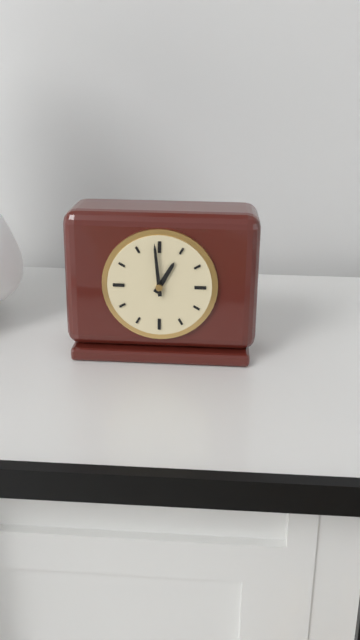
12:59
